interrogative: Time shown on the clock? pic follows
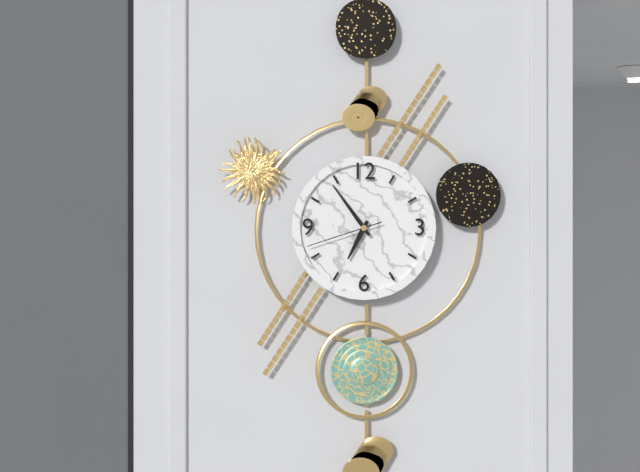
6:54:42
